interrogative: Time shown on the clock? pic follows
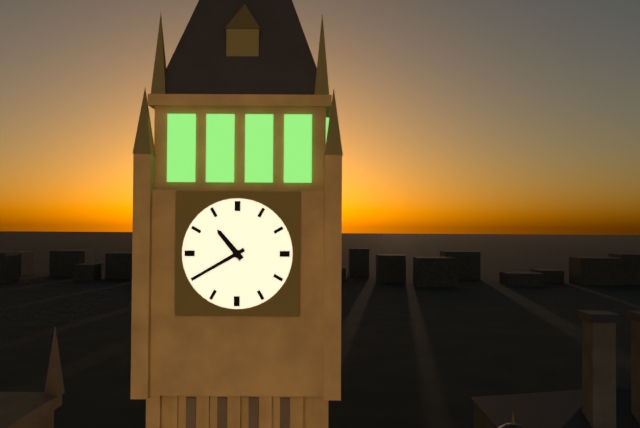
10:40
